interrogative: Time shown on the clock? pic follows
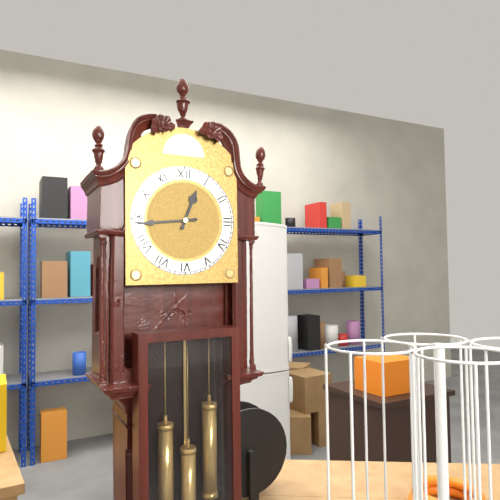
12:44
